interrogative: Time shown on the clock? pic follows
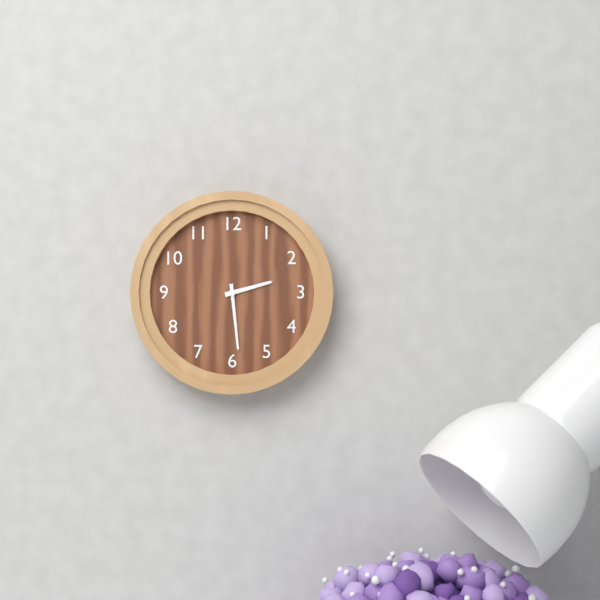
2:29
